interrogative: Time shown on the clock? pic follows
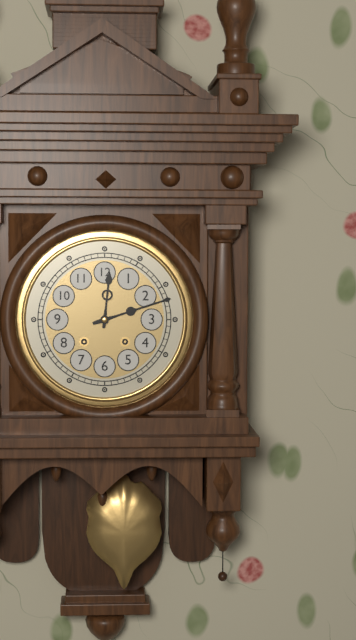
12:12
